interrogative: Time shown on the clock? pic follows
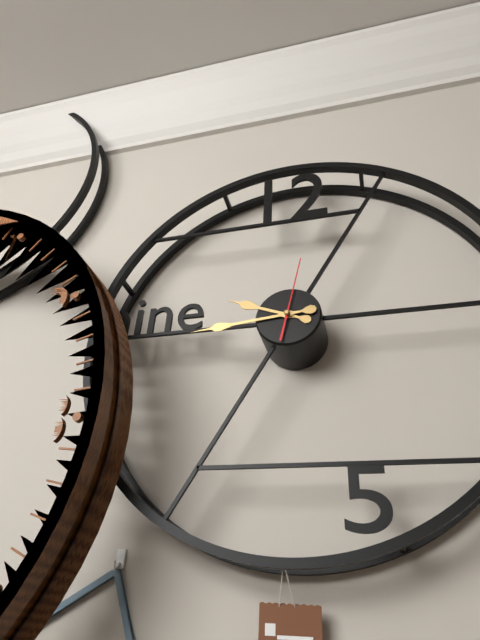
9:44:02
